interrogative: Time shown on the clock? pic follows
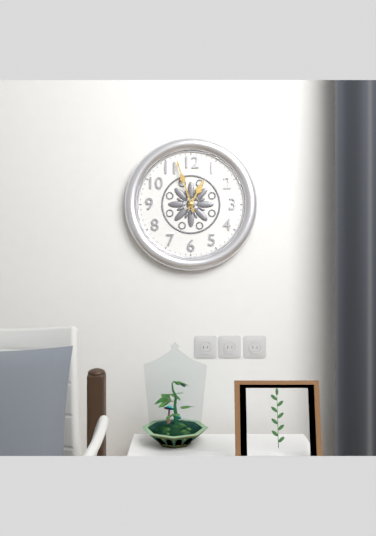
12:57
